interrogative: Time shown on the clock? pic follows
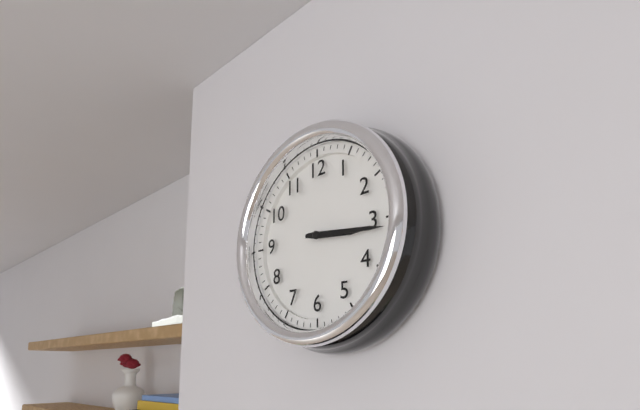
3:16
